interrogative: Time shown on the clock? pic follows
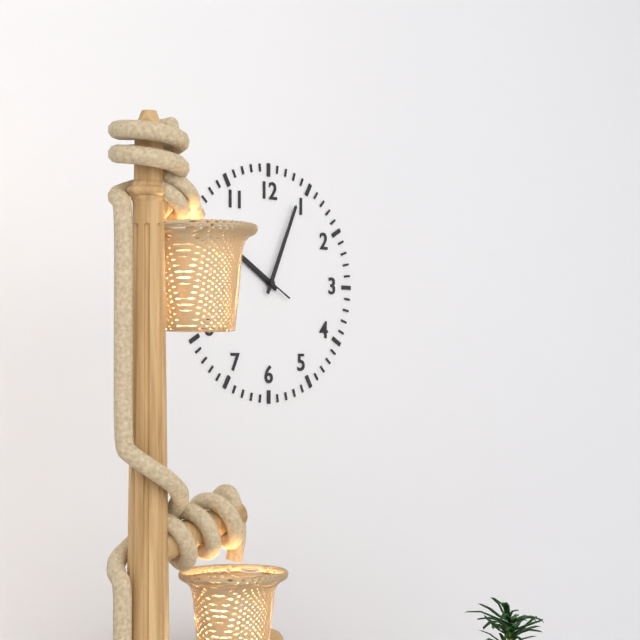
10:04
